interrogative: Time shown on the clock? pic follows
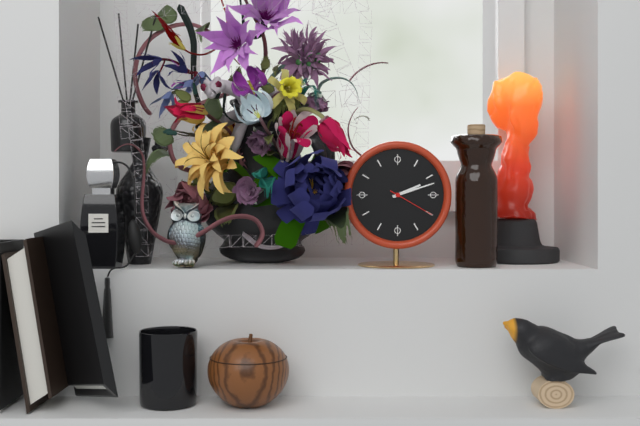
2:12:20
